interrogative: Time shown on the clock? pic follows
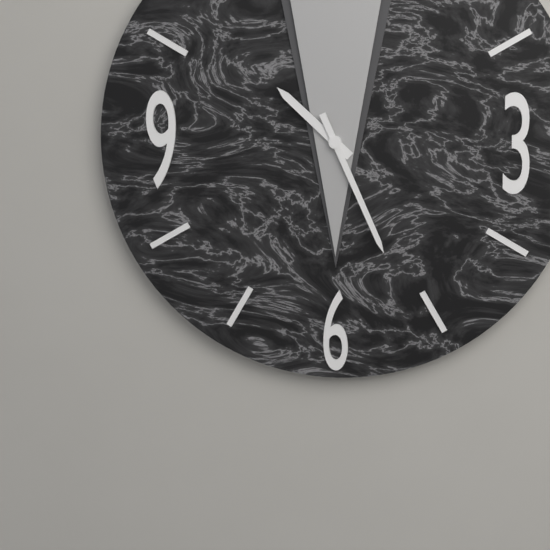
10:26
